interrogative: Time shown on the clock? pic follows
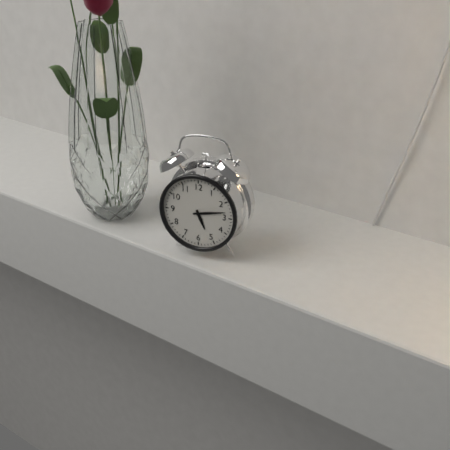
5:13
